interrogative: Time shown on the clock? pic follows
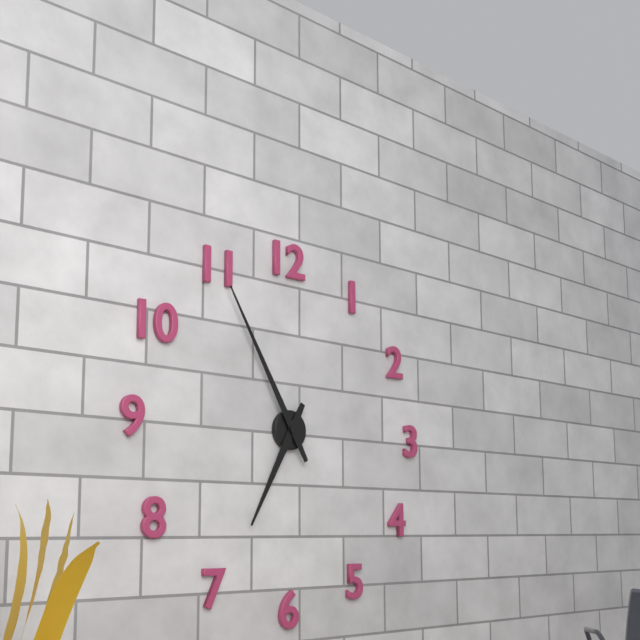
6:55
